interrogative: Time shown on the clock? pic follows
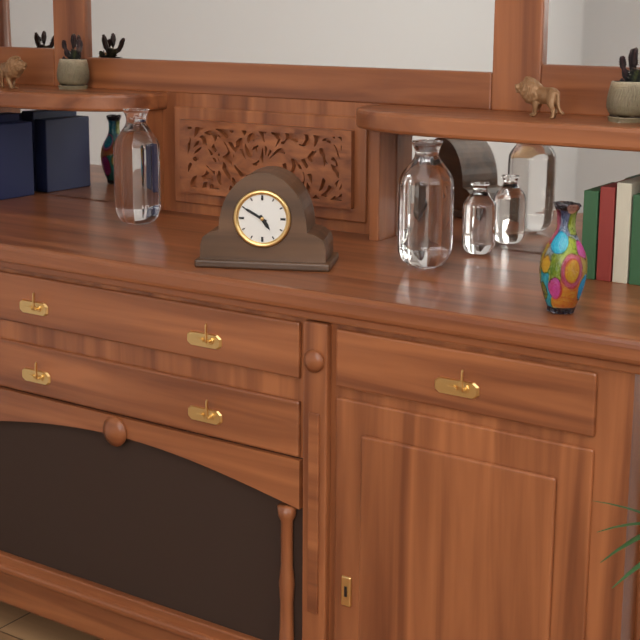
4:50
